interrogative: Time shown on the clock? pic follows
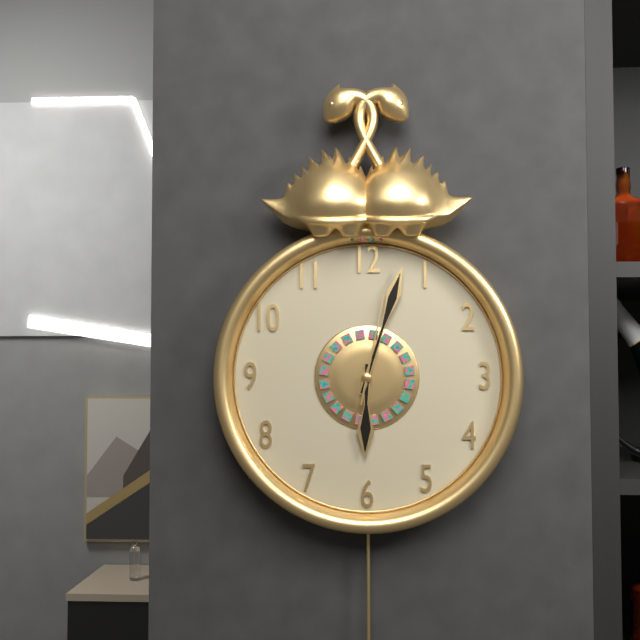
6:03:02
